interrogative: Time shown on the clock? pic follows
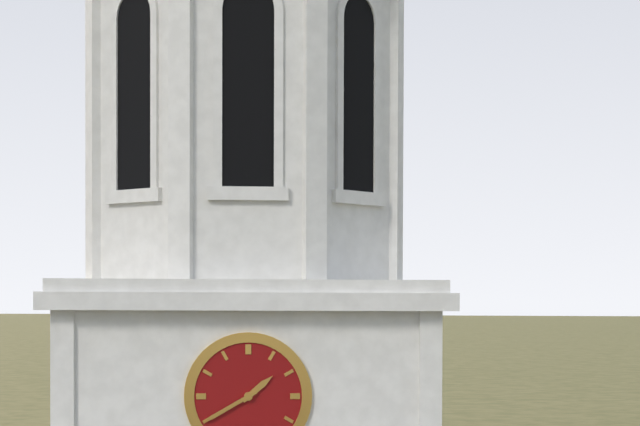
1:40
